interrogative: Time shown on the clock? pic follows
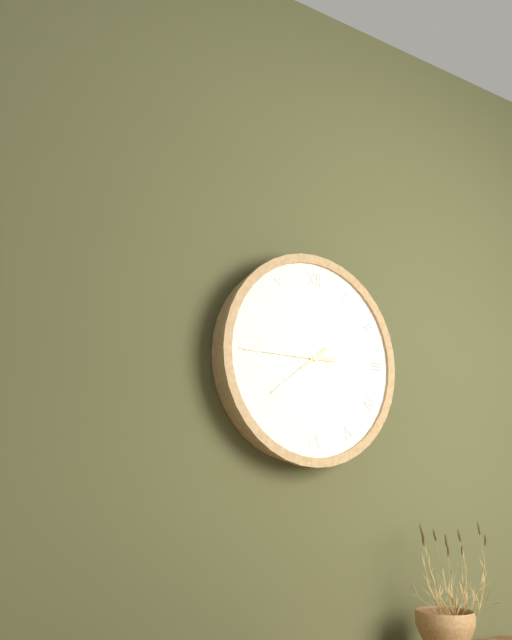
7:45
